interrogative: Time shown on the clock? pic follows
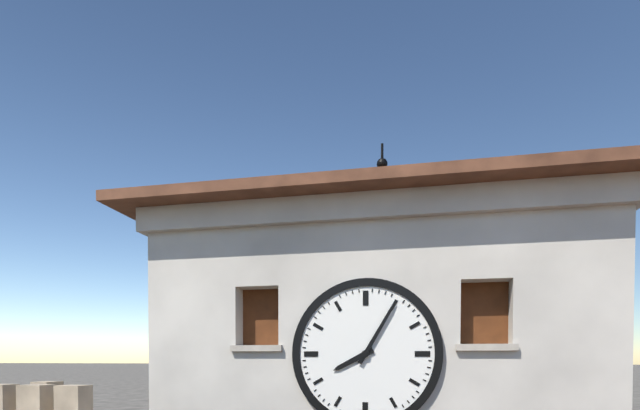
8:05
